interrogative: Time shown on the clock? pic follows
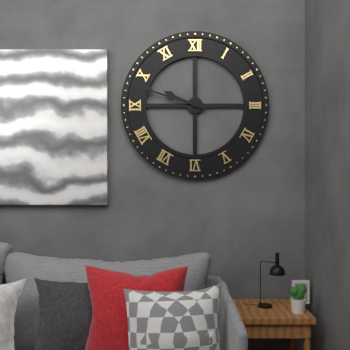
9:48
